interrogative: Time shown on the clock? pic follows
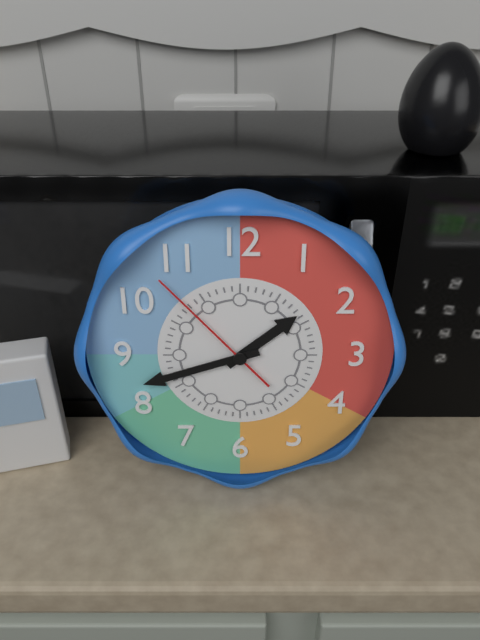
1:42:53
